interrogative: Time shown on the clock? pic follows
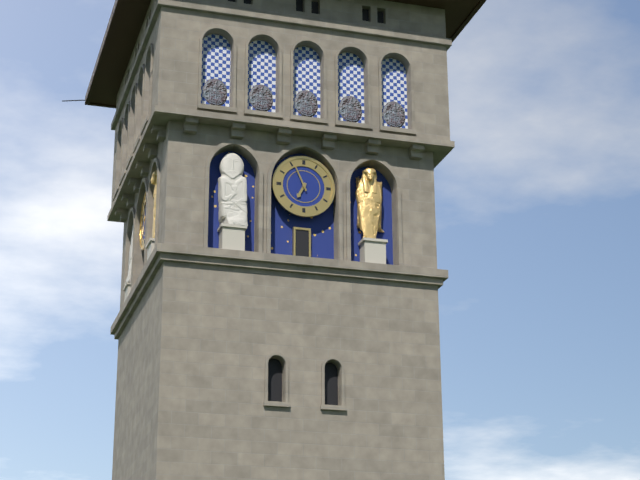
6:56
